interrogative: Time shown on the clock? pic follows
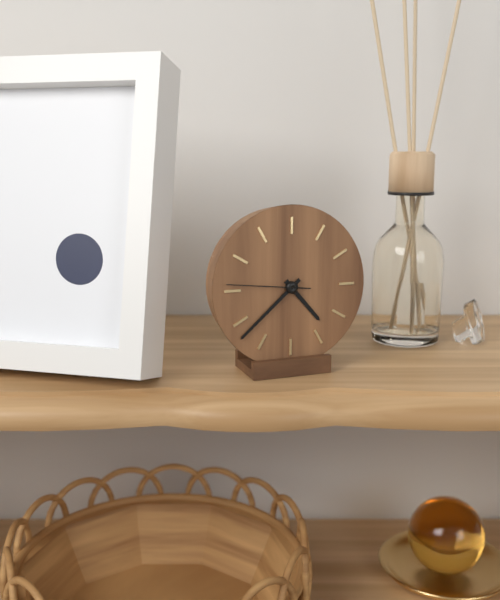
4:38:46
